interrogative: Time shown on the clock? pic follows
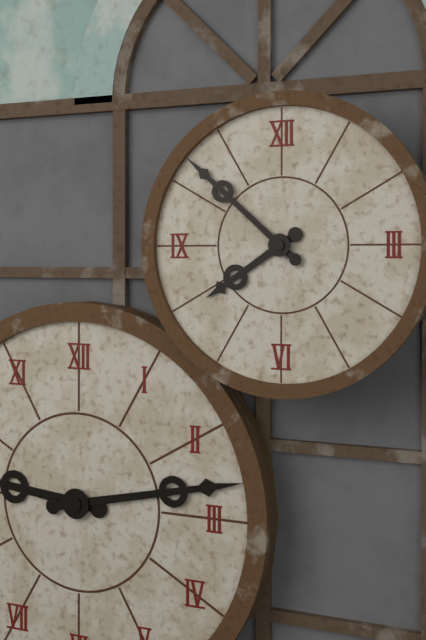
7:52
